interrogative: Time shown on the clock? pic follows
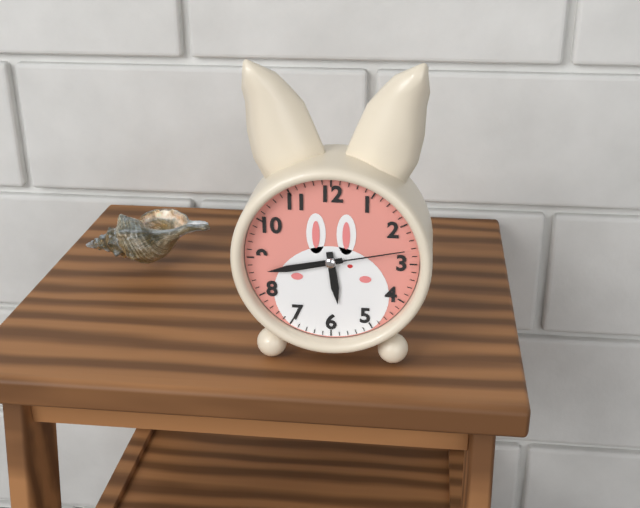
5:43:13
